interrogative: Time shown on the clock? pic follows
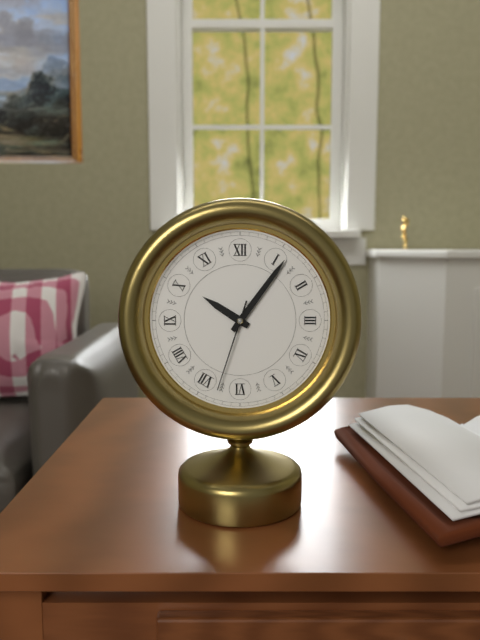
10:06:33
